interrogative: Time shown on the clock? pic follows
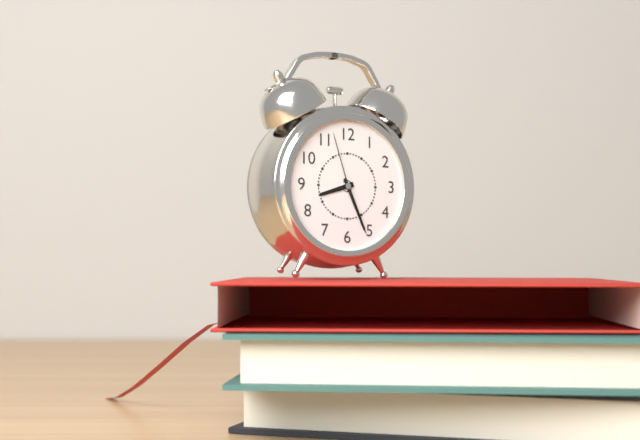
8:26:57
